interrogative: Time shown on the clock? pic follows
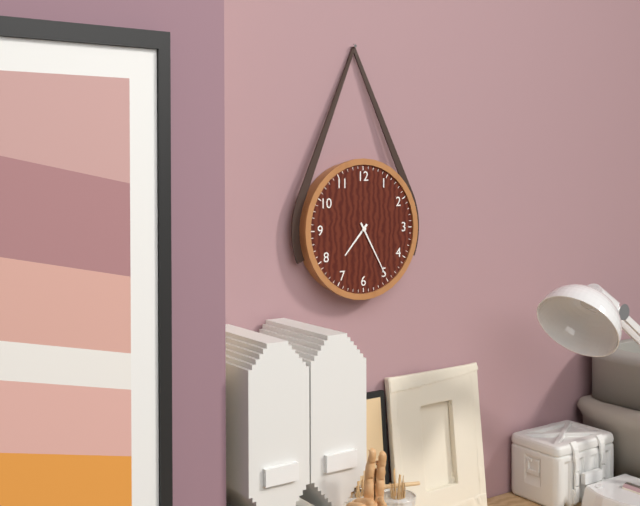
7:25
